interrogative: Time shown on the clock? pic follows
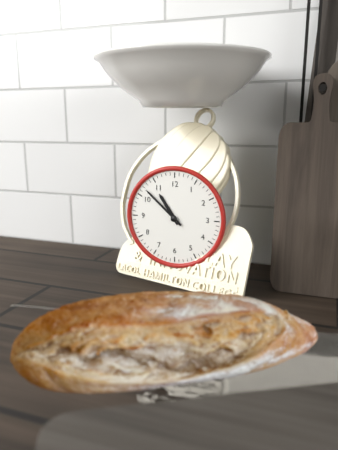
10:52
